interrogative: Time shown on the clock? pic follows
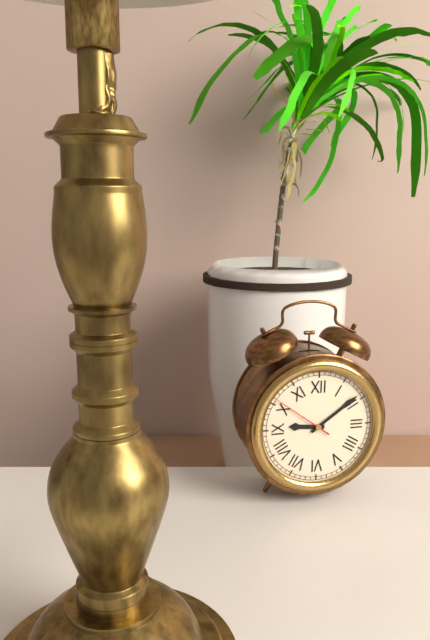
9:09:51
